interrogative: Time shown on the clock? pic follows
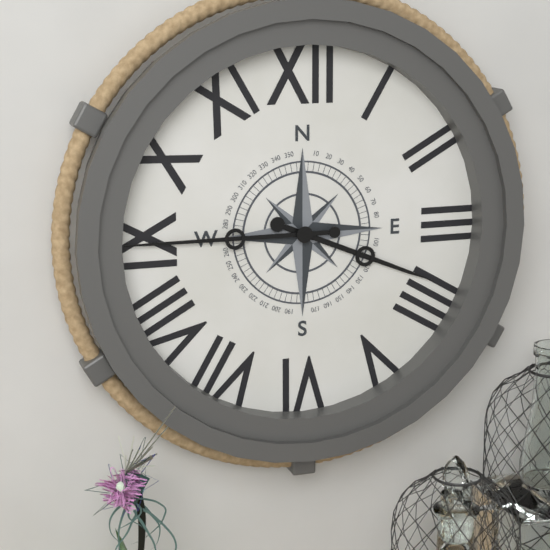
3:45
